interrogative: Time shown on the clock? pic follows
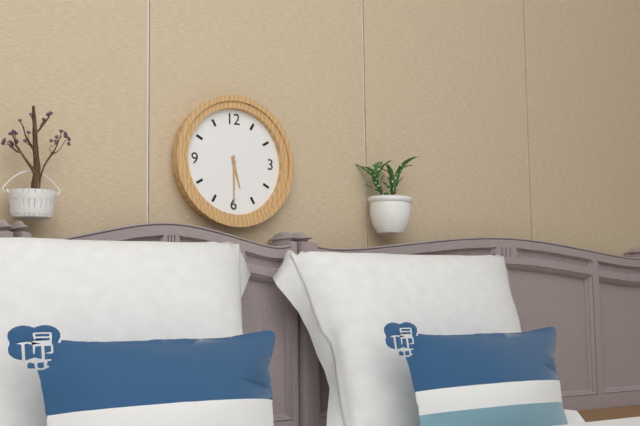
5:30
